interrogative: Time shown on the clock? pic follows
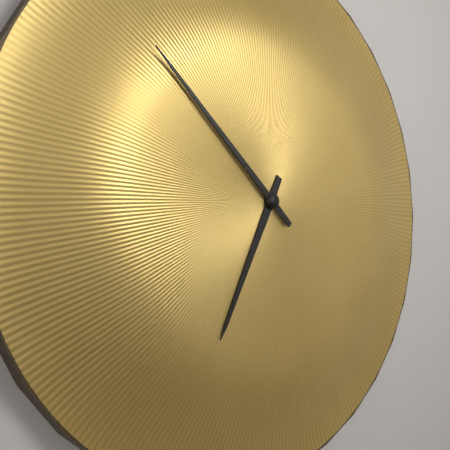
6:52
